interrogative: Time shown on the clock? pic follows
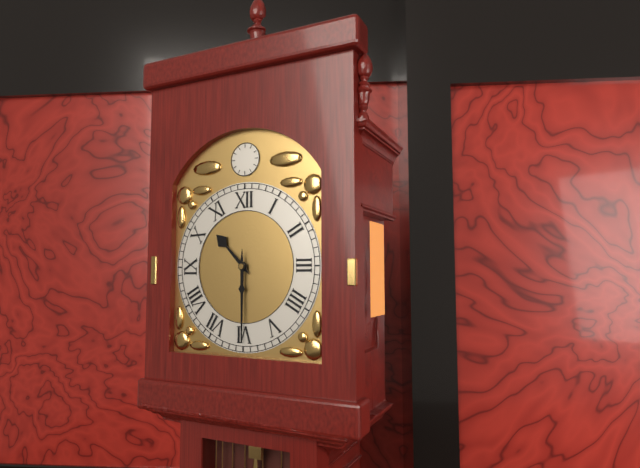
10:30
